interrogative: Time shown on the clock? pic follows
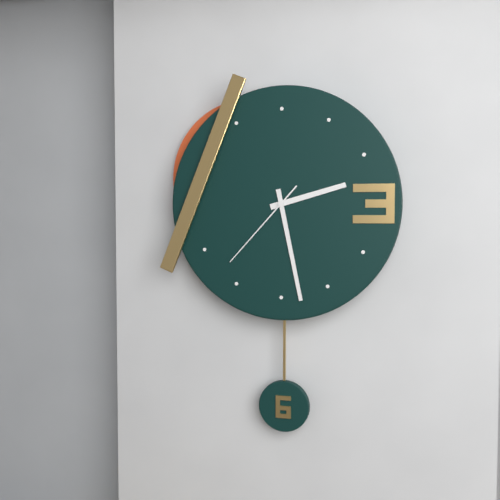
2:28:37
